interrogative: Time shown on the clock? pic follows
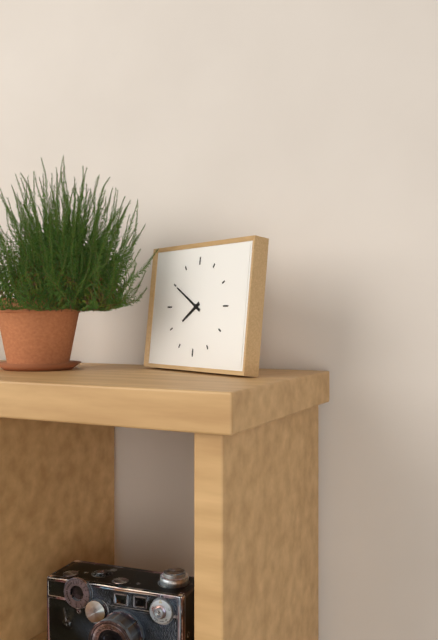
7:50
